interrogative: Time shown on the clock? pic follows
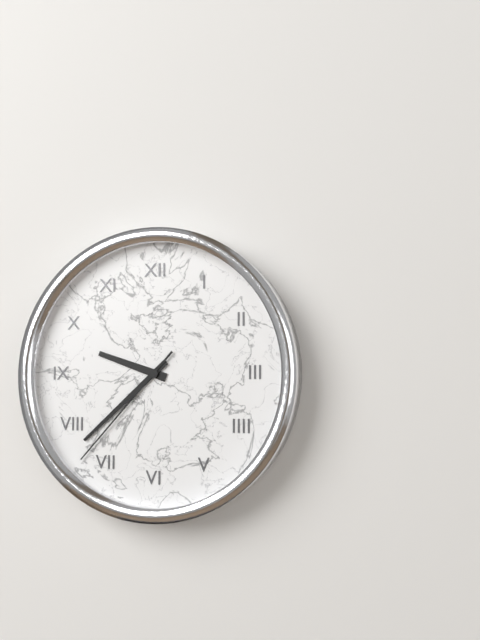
9:38:37
